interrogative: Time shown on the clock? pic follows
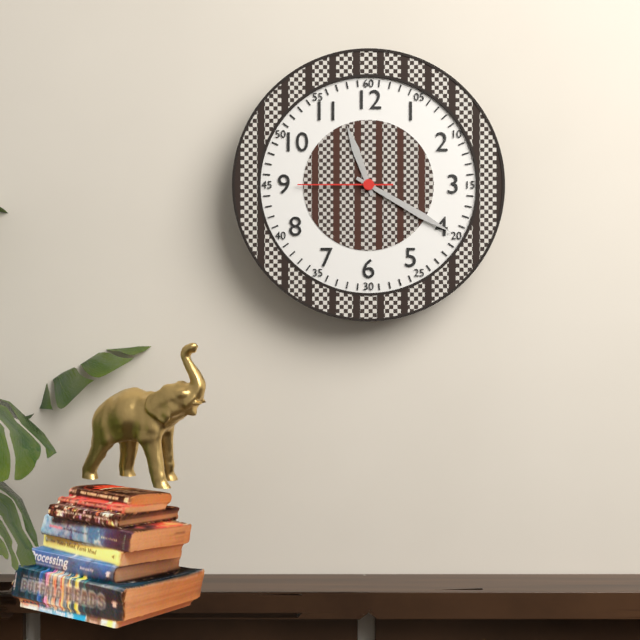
11:20:45
